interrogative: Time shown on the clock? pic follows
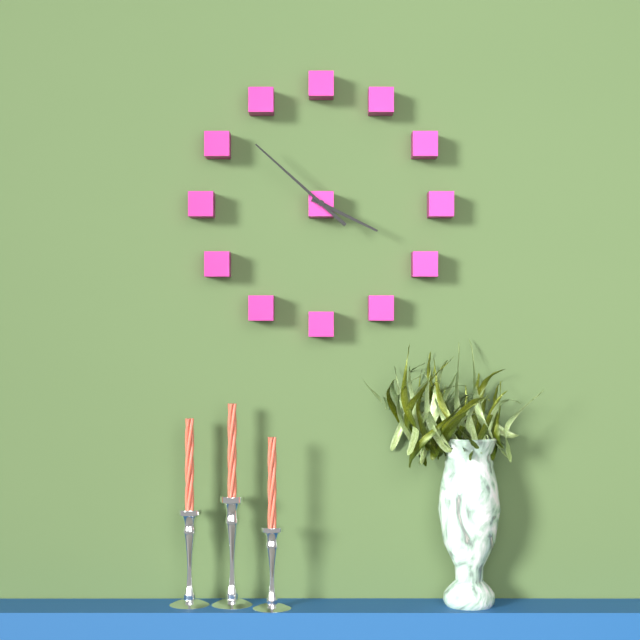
3:52
